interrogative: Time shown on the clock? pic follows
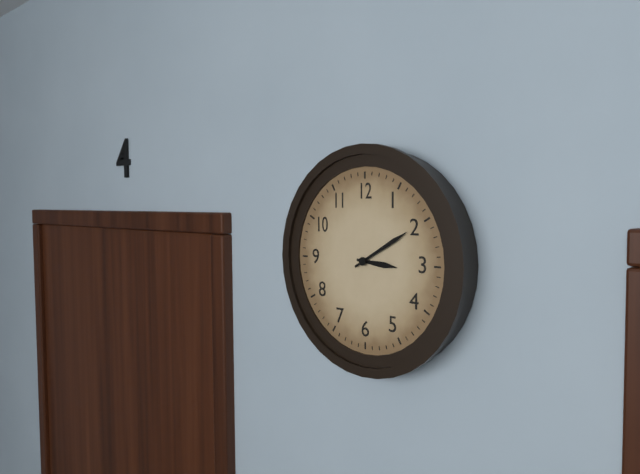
3:10
